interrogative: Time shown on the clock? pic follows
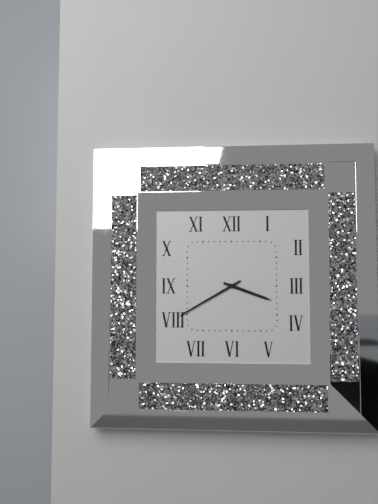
3:40
